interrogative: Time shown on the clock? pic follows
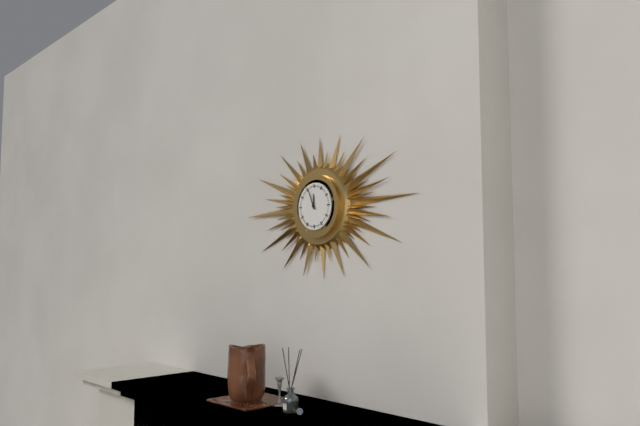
11:56
